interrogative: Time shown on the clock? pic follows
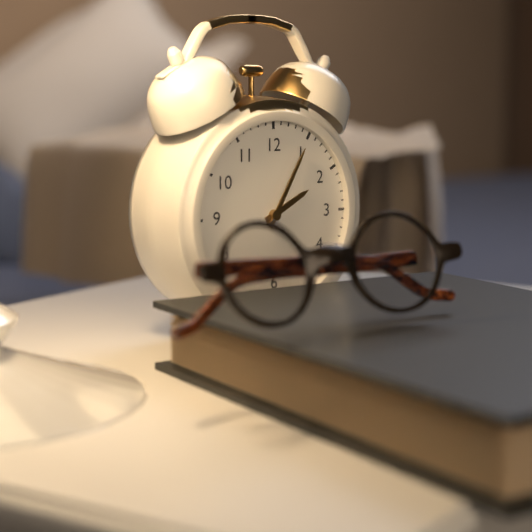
2:05
